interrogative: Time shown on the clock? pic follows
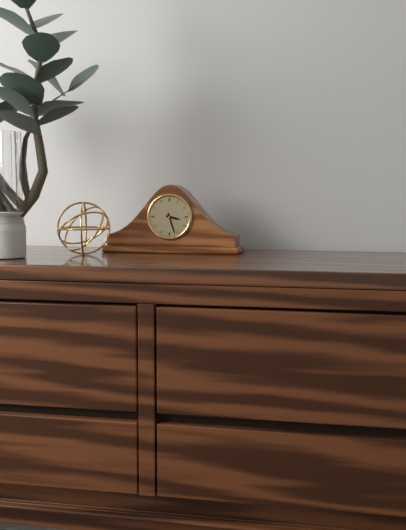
3:27
